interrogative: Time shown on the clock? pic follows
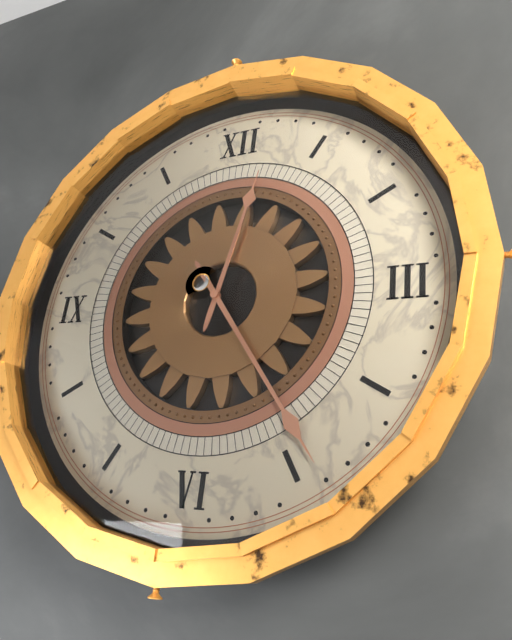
12:24
